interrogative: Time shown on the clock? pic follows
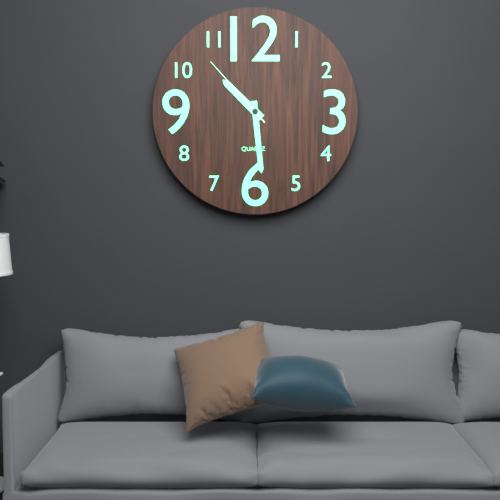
10:29:53
